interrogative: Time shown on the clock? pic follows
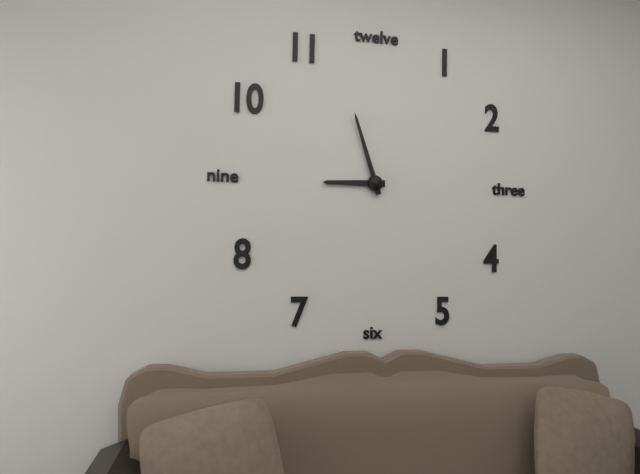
8:57
